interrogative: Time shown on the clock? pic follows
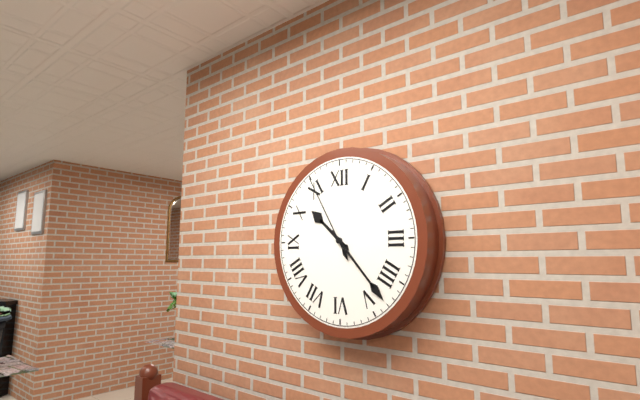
10:23:55
